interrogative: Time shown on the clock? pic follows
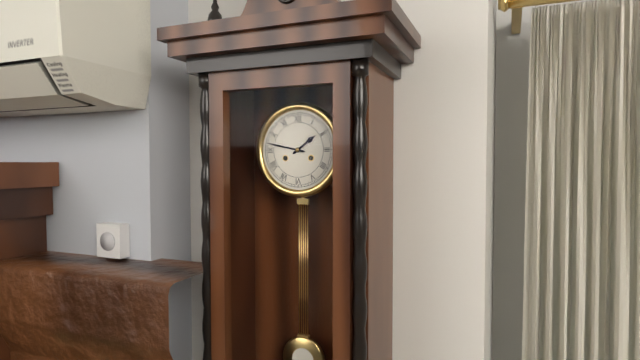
1:47
